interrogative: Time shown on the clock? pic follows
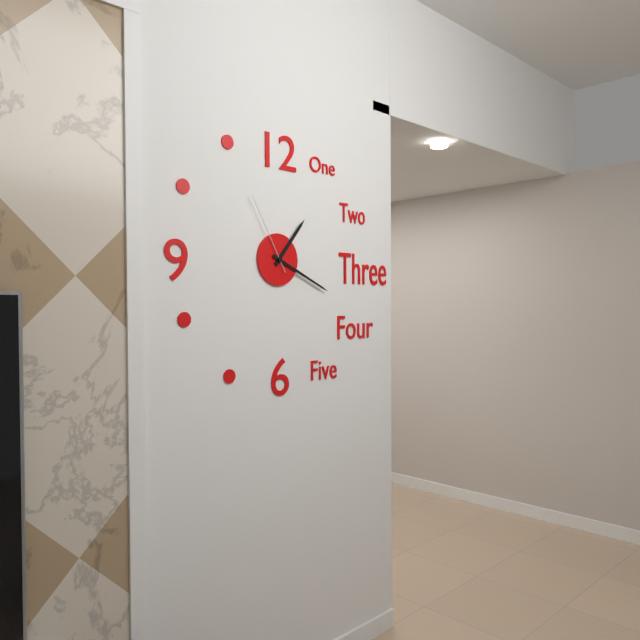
1:19:55
